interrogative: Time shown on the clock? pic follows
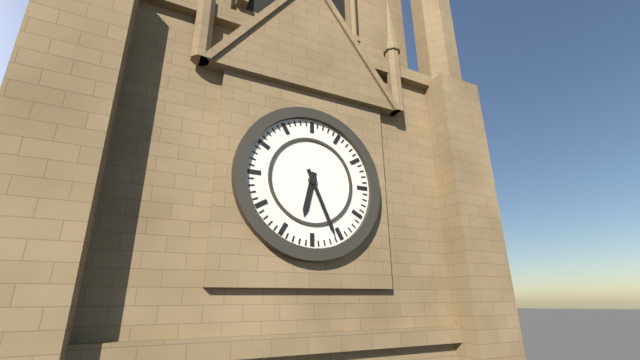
6:26
